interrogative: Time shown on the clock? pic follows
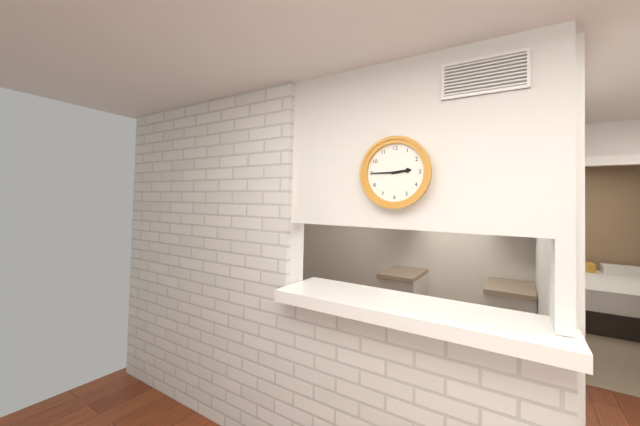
2:45
